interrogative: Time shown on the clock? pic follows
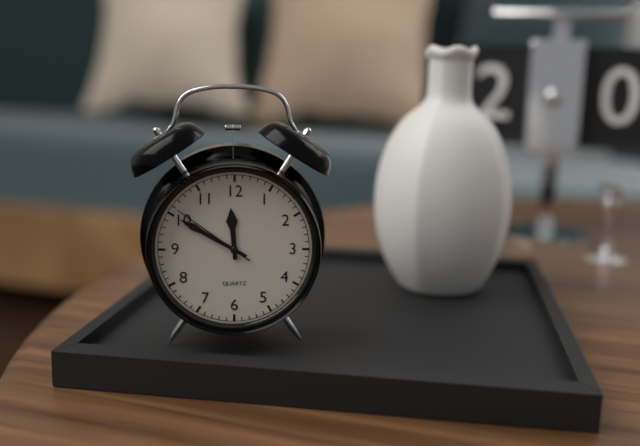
11:50:51
